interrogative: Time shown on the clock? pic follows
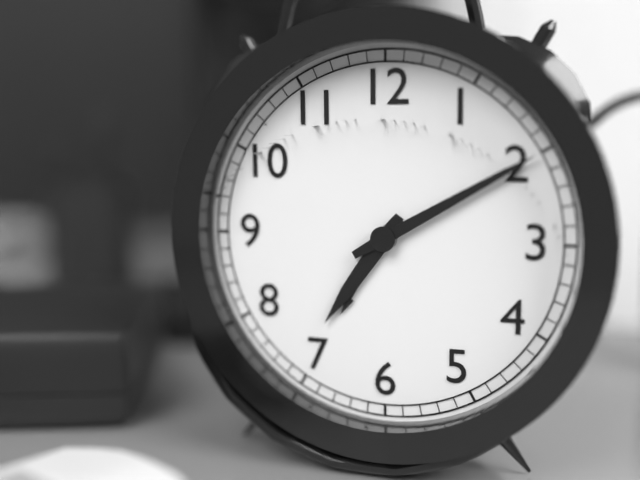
7:10
